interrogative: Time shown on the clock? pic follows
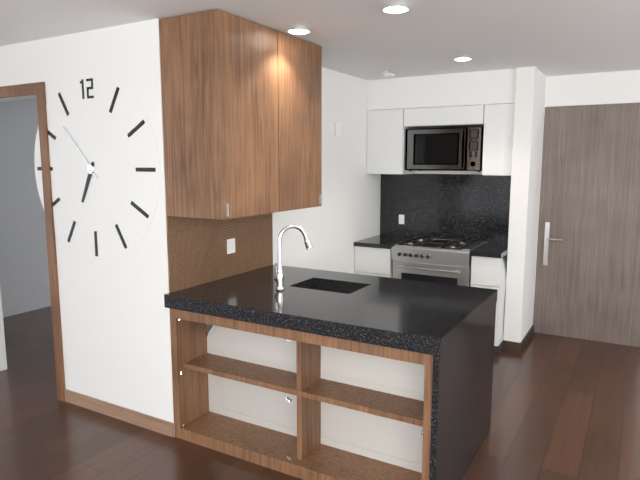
6:53
